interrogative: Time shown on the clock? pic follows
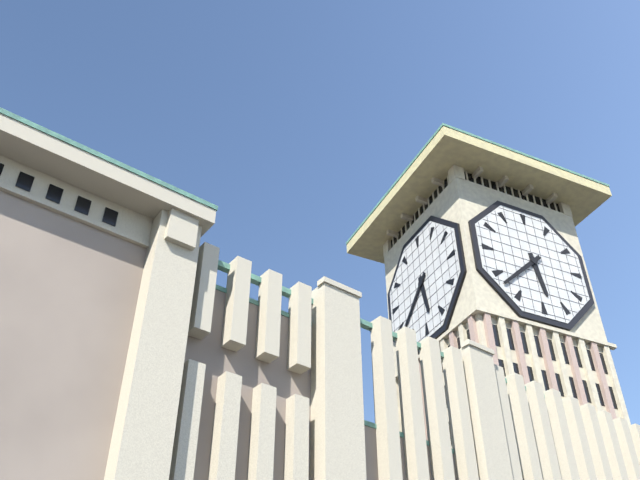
5:38
